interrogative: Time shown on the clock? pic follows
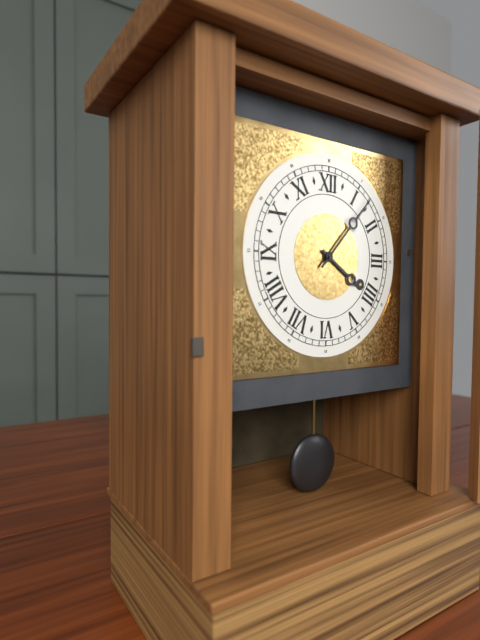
4:07
